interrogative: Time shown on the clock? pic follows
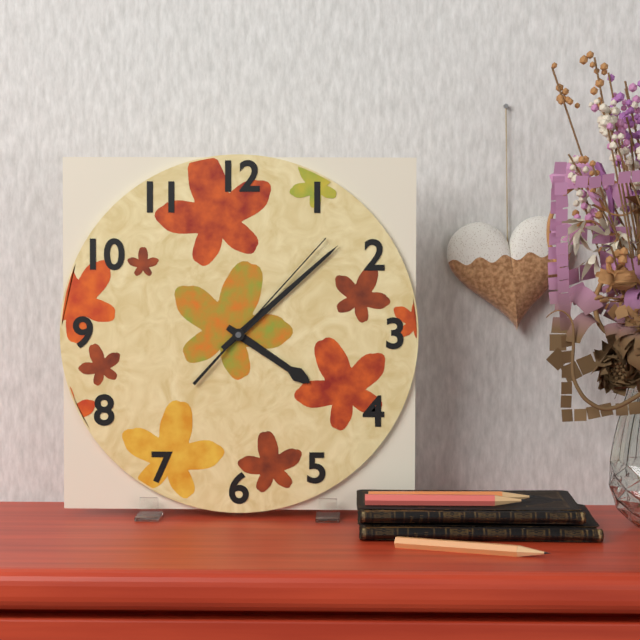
4:08:07
